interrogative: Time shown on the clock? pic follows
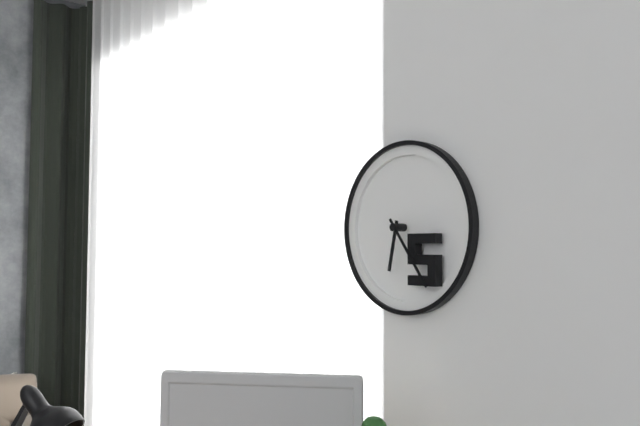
6:24
